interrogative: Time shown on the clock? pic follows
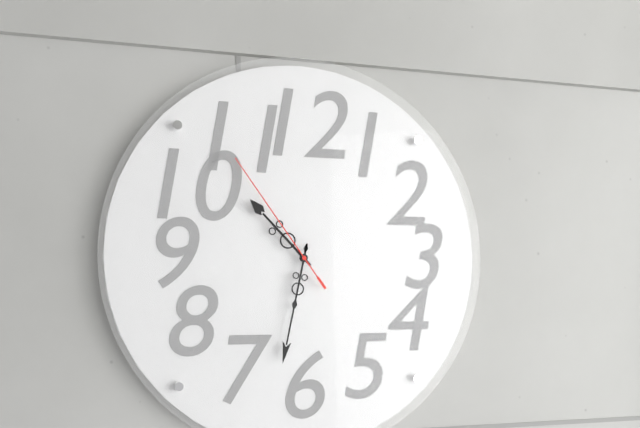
10:32:54
